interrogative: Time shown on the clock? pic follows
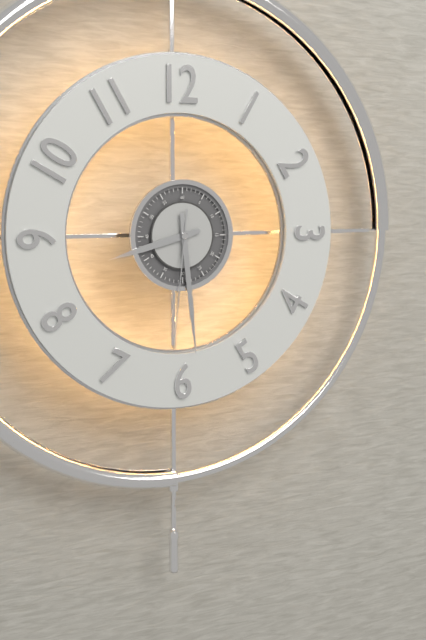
8:29:31
